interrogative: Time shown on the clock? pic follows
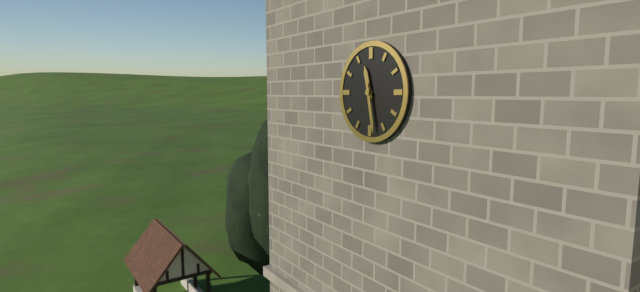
11:28
